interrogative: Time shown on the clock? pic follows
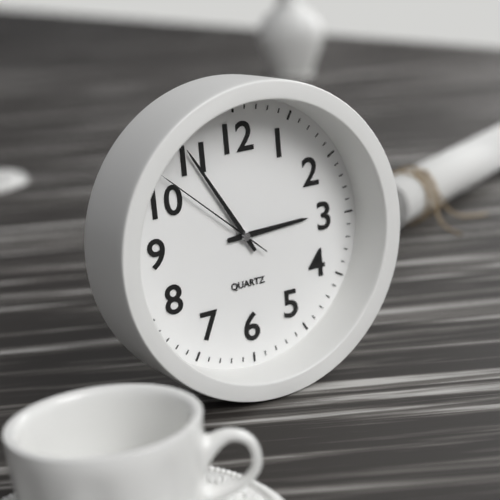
2:55:52
